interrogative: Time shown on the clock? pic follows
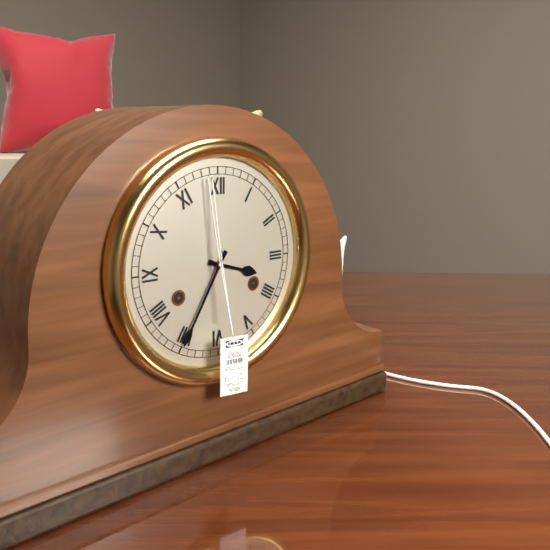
3:35
